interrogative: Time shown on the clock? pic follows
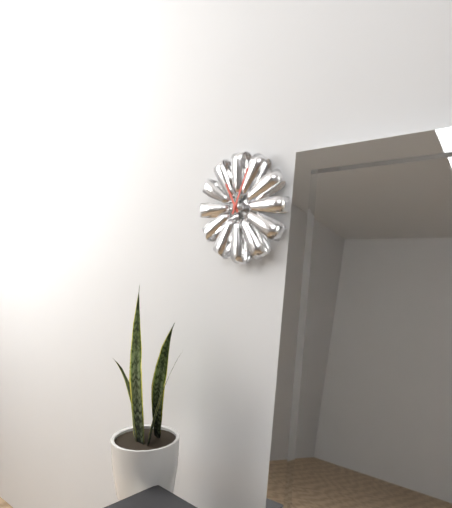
11:04
